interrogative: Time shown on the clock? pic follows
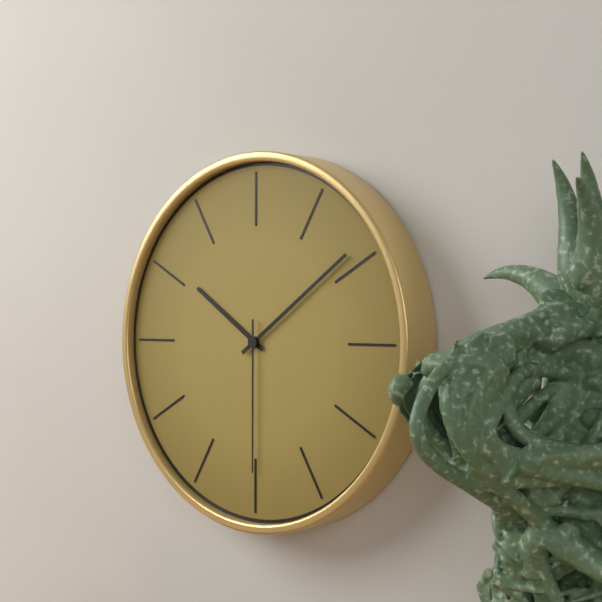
10:09:30
